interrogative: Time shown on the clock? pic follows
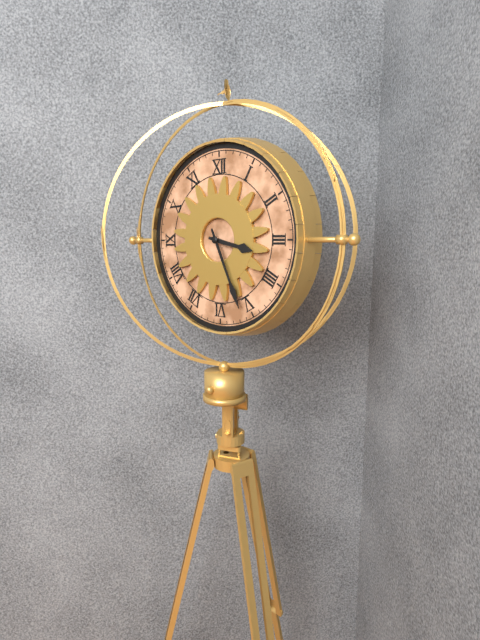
3:26
